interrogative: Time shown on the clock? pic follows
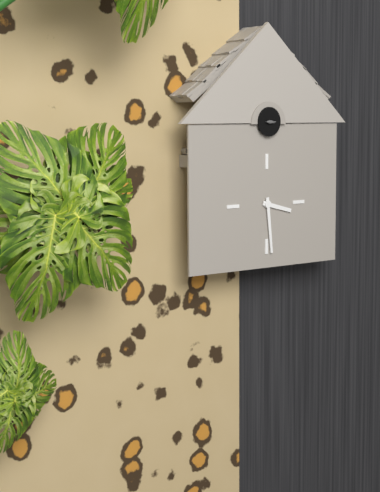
3:29
